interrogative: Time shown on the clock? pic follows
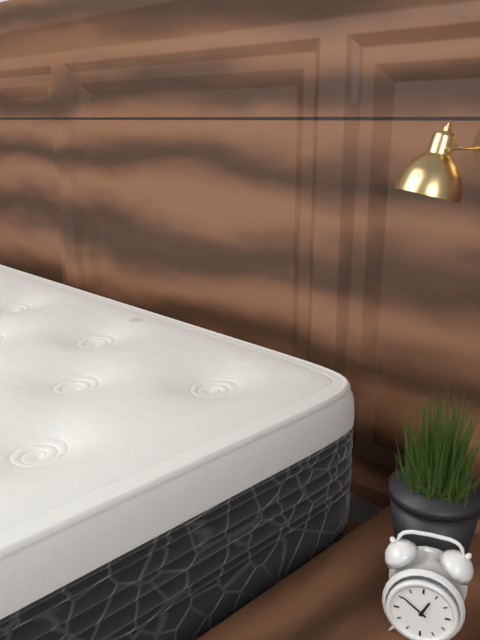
12:51
